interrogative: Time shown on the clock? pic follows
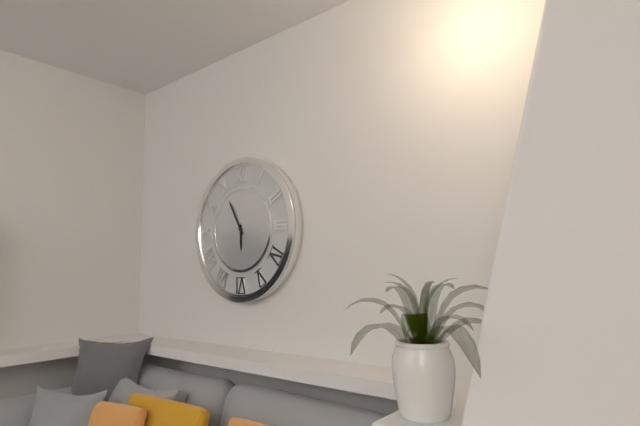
5:55
